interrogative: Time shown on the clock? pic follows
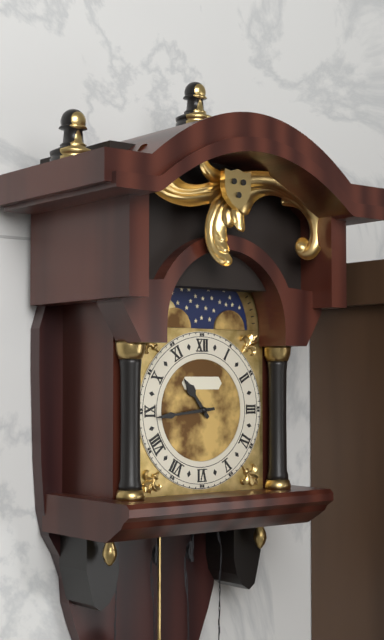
10:44
